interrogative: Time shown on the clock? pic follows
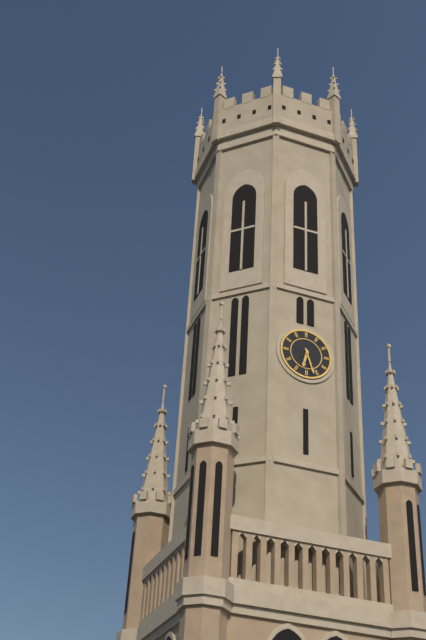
6:27
